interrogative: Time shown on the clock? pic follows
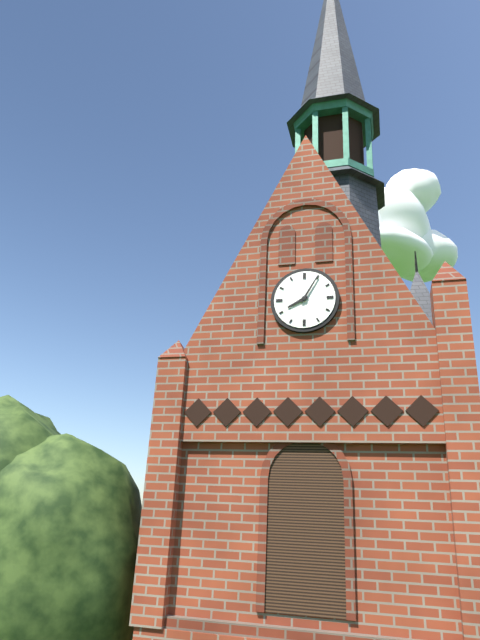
8:05
